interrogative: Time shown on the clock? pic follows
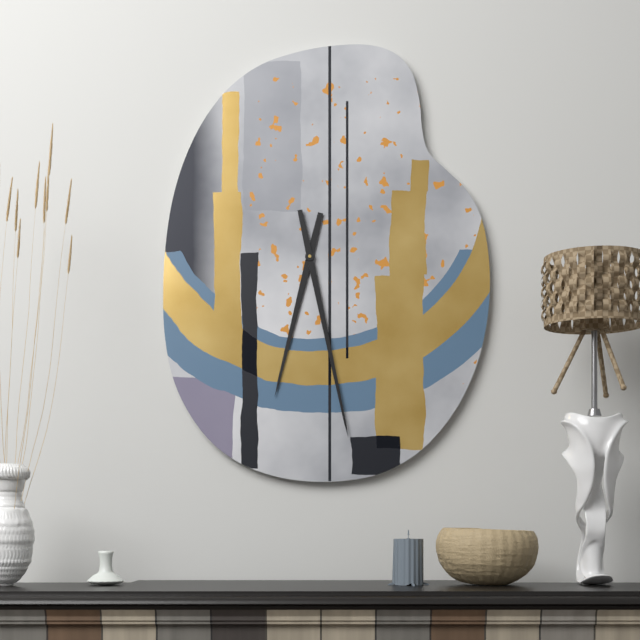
6:28
